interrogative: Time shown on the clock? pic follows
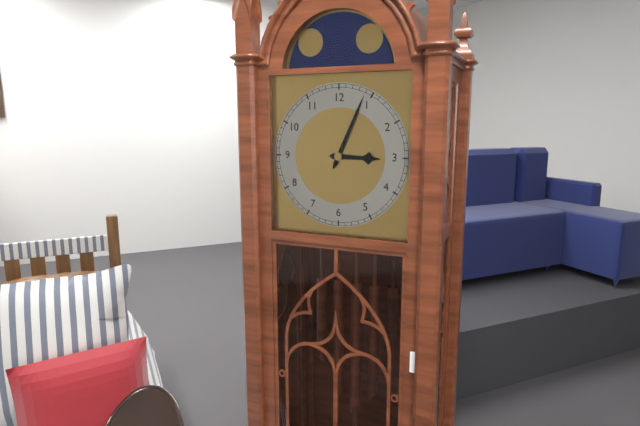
3:04
